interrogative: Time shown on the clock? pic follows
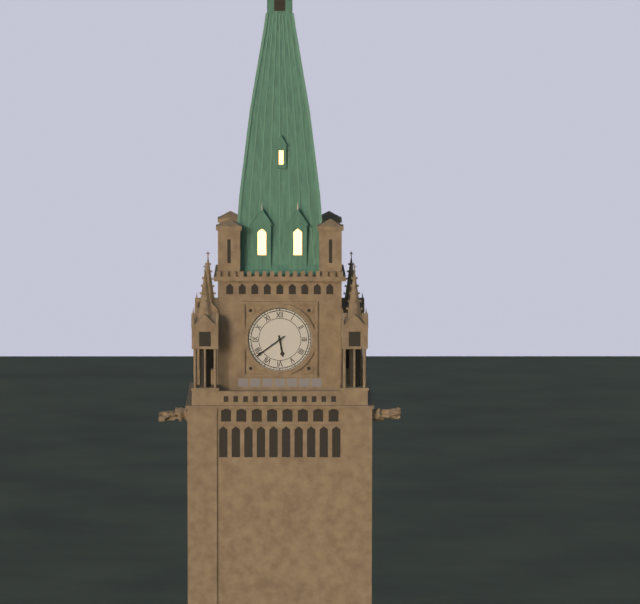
5:39
